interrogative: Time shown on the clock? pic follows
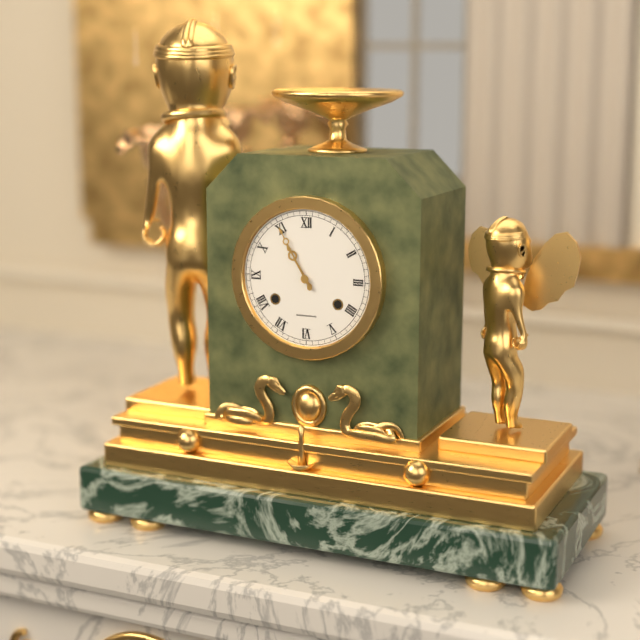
10:55
